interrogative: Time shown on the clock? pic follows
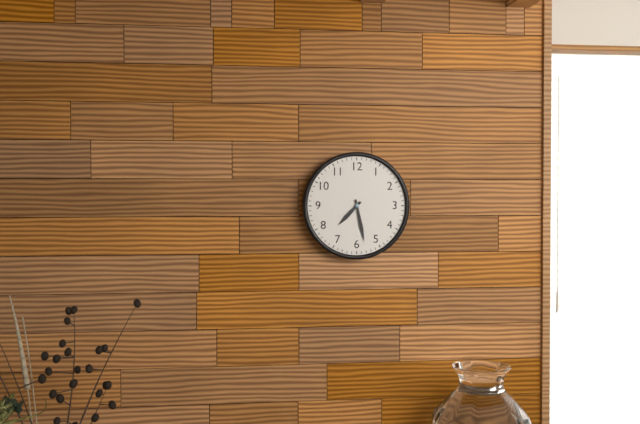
7:28
